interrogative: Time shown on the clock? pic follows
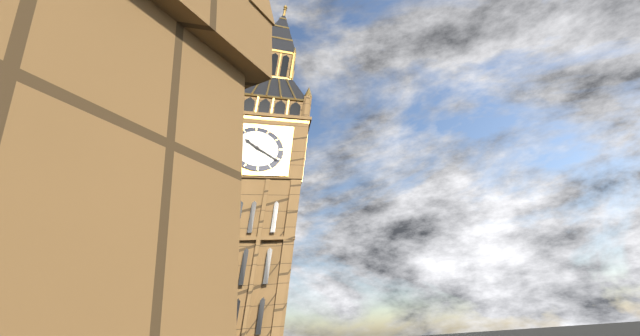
10:21
